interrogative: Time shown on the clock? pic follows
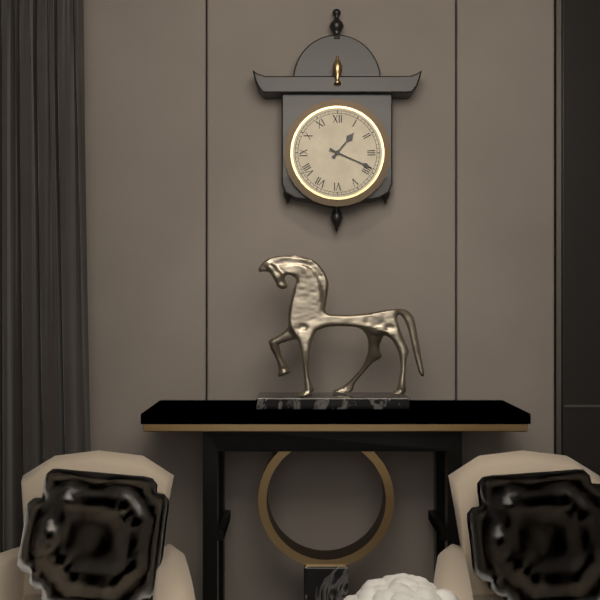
1:19
